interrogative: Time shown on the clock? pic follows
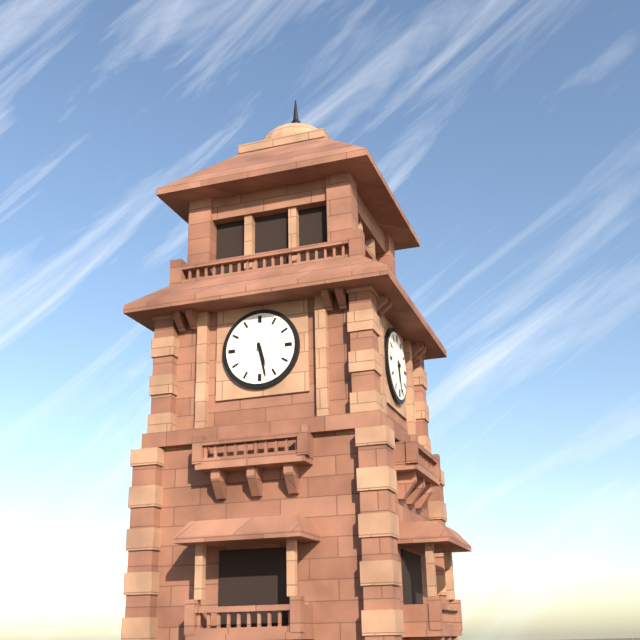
5:28
